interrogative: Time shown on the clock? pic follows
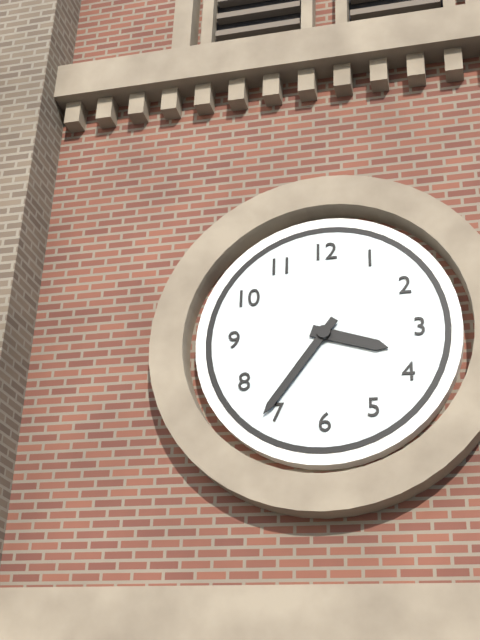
3:36
